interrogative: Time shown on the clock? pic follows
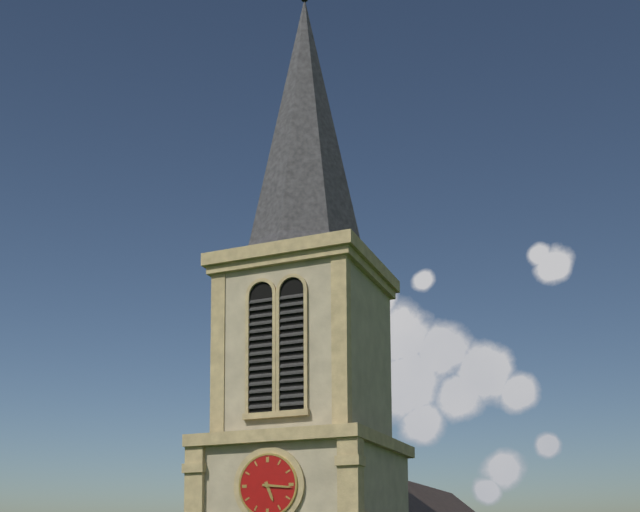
5:16
